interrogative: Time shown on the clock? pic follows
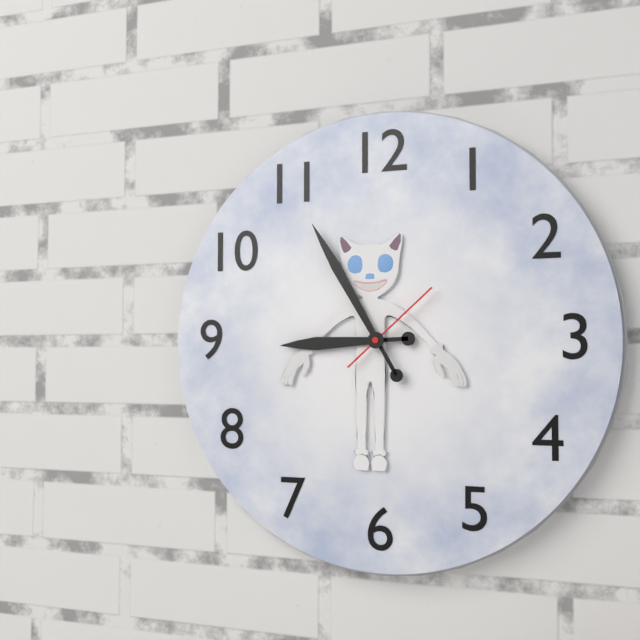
8:55:08
